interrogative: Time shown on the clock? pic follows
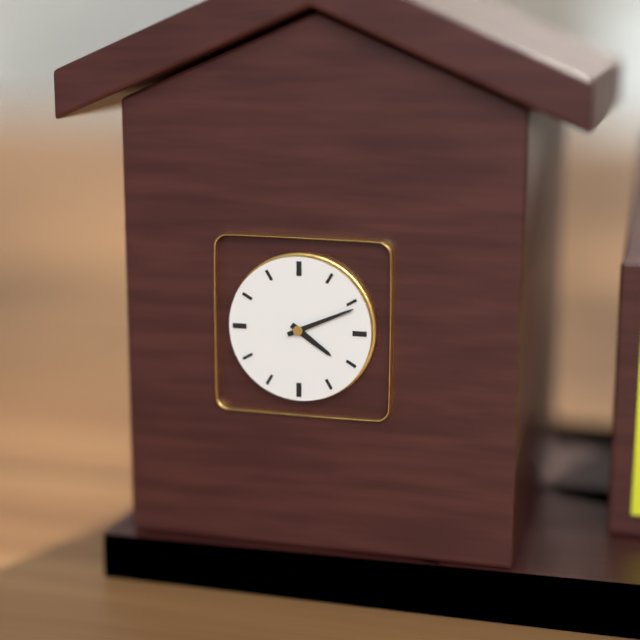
4:11
